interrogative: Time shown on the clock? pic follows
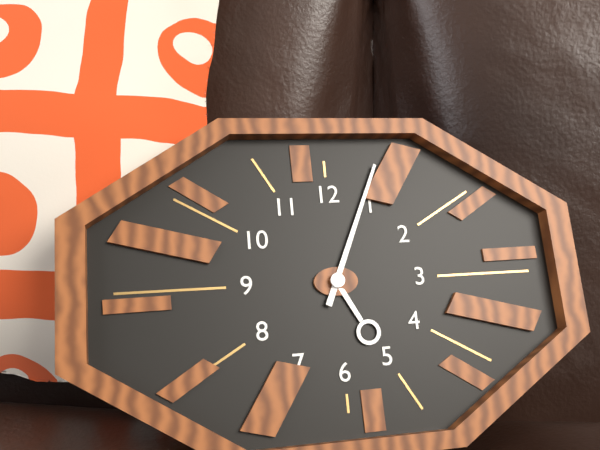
5:04
